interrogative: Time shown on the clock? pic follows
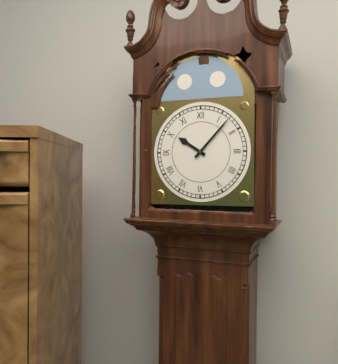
10:07
